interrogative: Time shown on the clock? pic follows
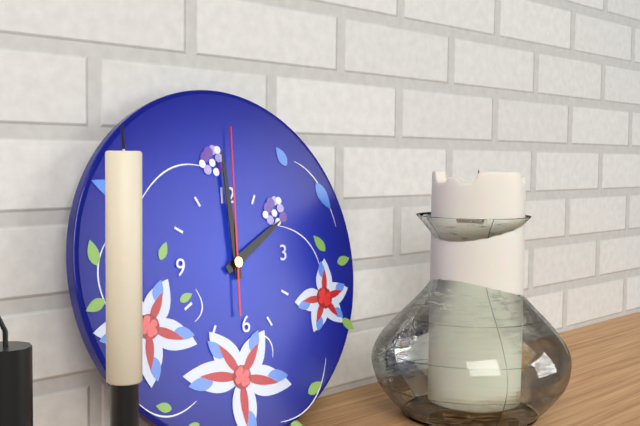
2:00:01
